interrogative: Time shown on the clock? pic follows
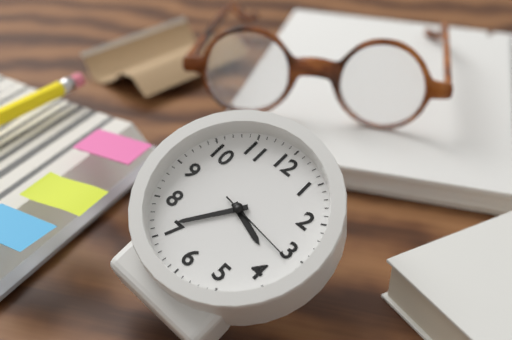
3:36:16
